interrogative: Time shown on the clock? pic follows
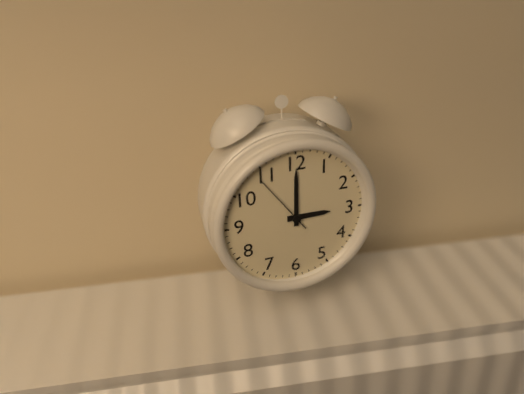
3:00:54
